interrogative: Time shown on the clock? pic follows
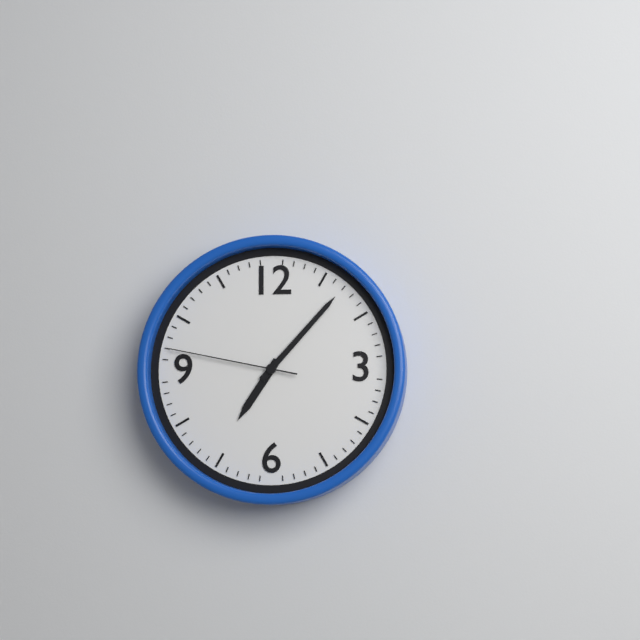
7:07:47
